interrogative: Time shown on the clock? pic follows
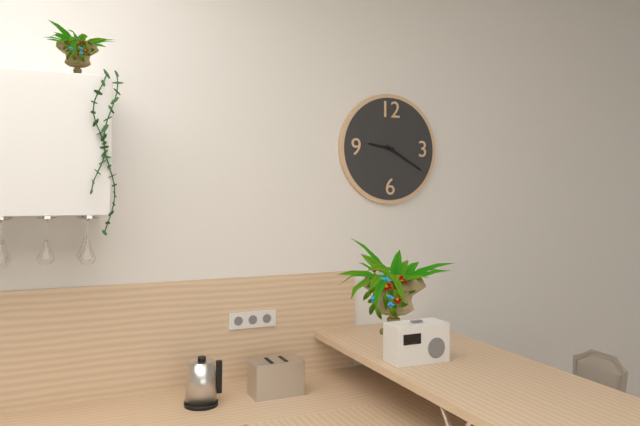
9:20
